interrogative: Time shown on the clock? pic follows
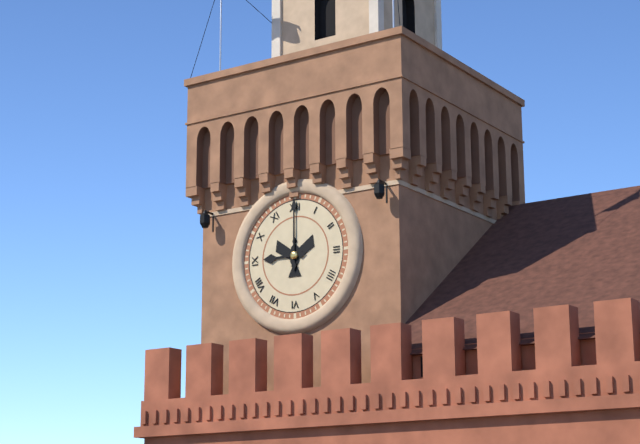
9:00
